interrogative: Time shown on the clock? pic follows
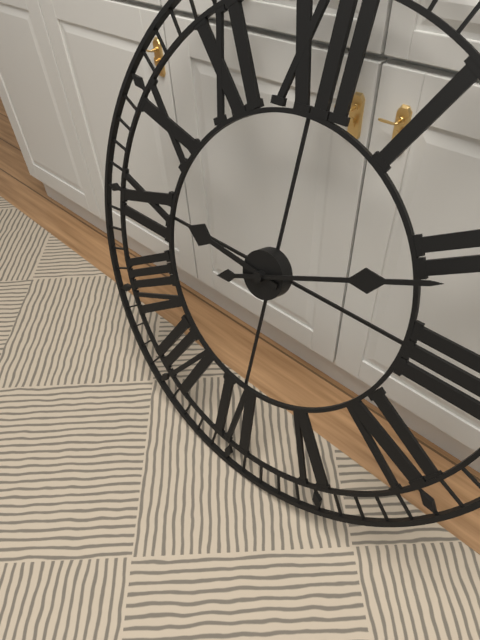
9:11
